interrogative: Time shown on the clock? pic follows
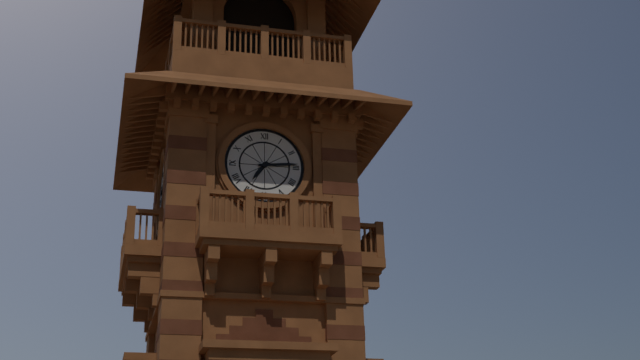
7:14
